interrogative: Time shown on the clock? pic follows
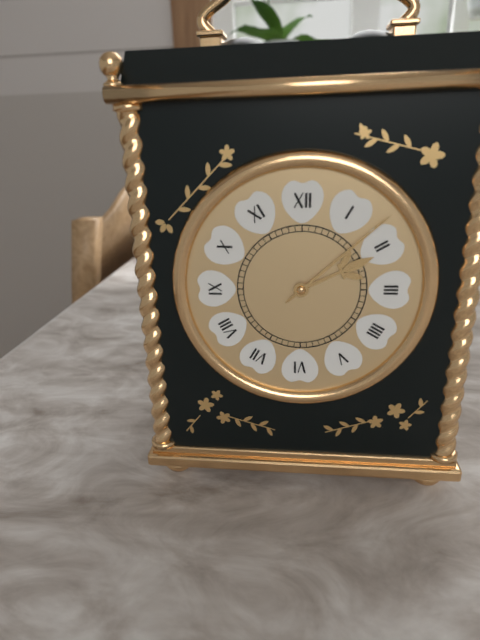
2:08
